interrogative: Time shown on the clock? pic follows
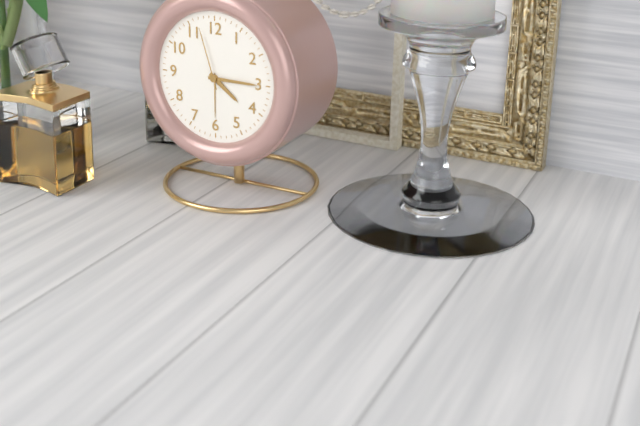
4:15:57
